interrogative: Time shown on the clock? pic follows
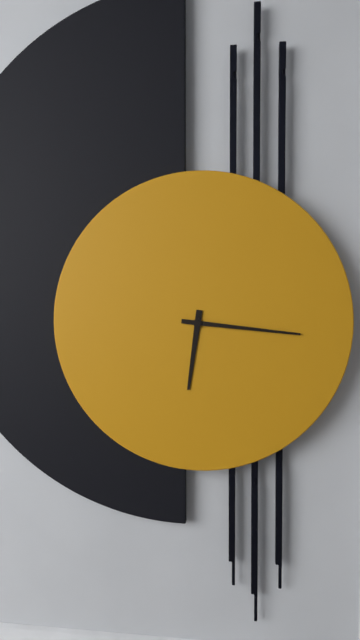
6:16
